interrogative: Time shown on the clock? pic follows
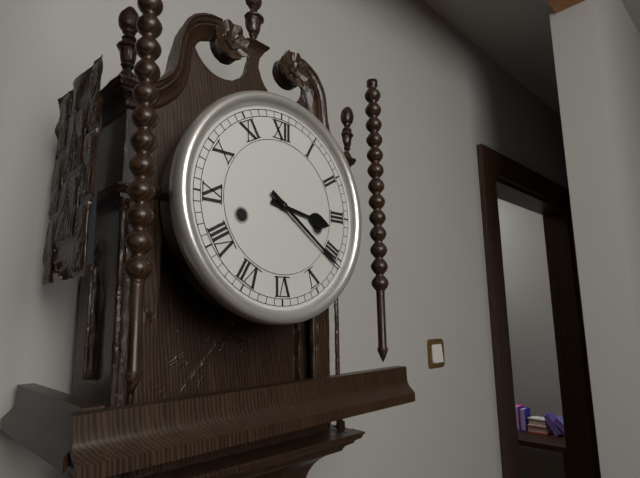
3:21
